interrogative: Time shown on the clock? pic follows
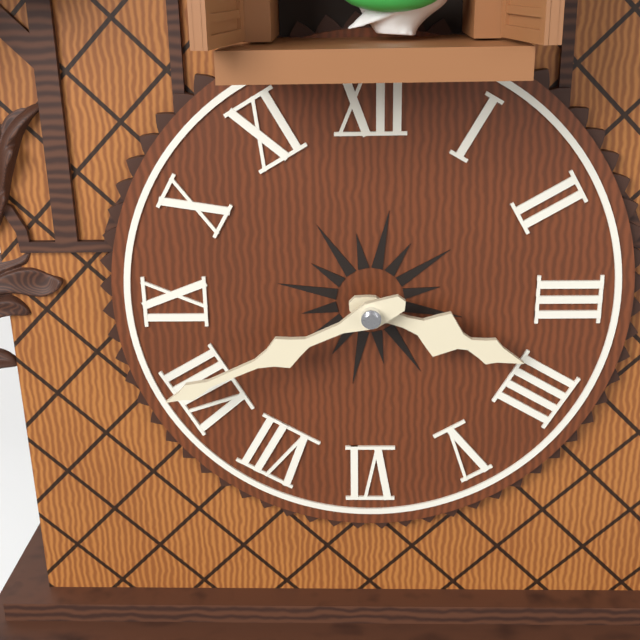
3:41
